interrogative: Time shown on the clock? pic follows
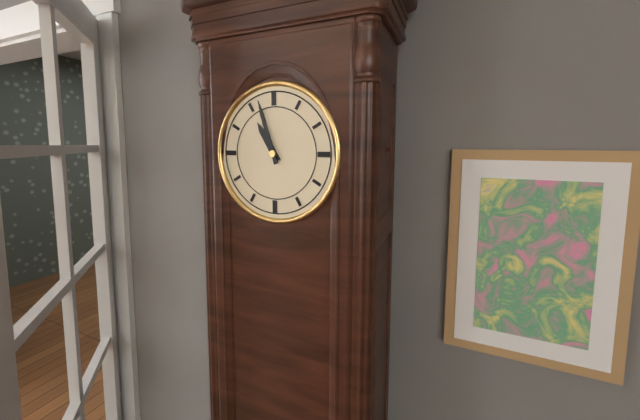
10:57
